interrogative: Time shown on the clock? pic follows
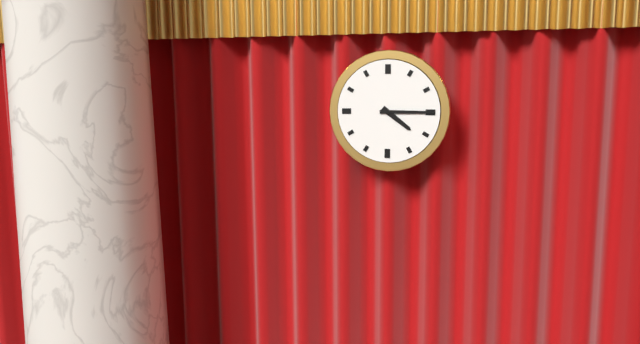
4:15
